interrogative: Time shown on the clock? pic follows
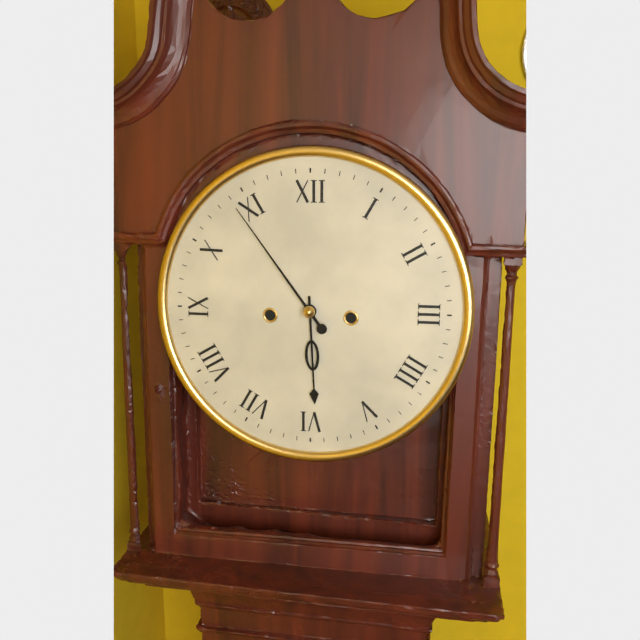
5:54
